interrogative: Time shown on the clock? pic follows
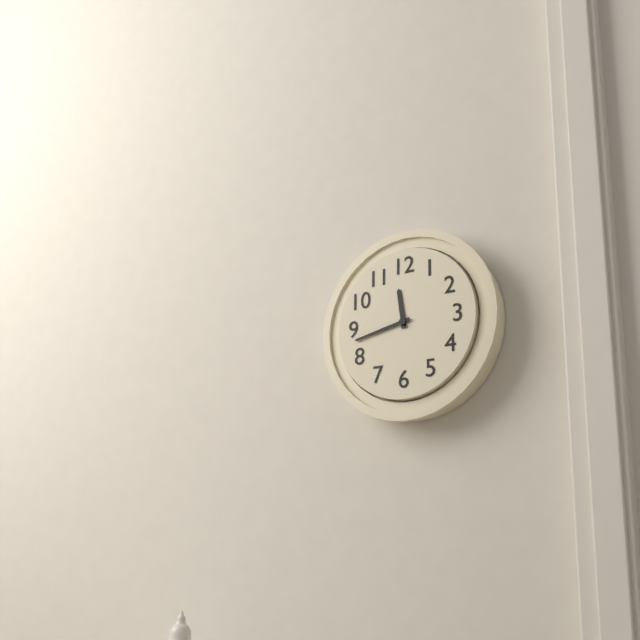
11:43
